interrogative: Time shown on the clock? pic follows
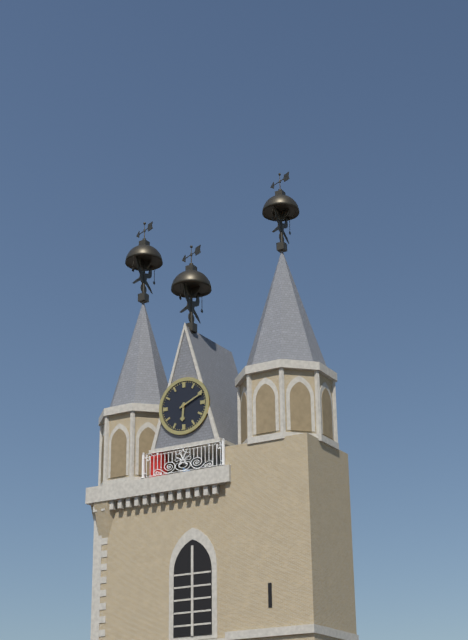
6:11
